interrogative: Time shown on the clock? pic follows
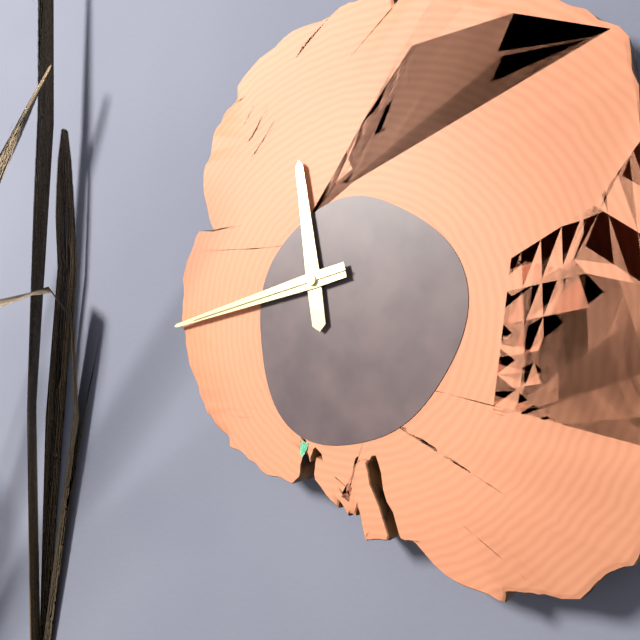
11:43:43
